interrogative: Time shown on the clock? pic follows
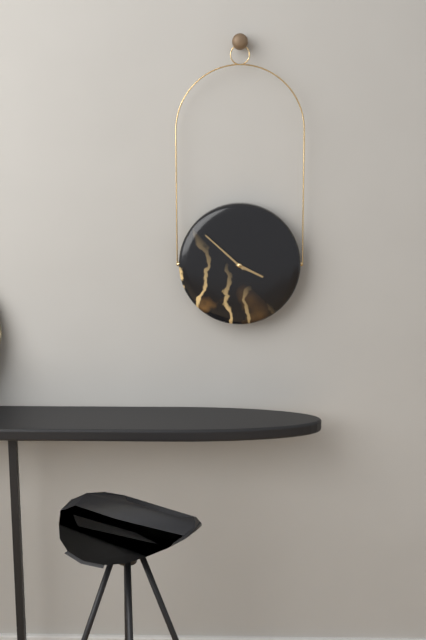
3:52
